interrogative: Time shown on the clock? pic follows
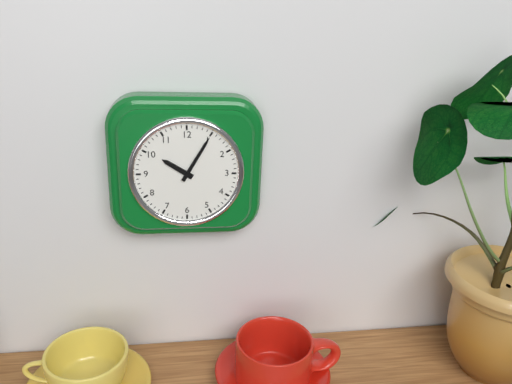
10:05
